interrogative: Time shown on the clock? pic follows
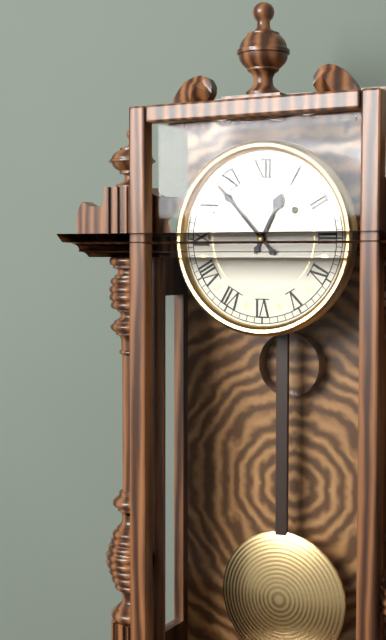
12:53
